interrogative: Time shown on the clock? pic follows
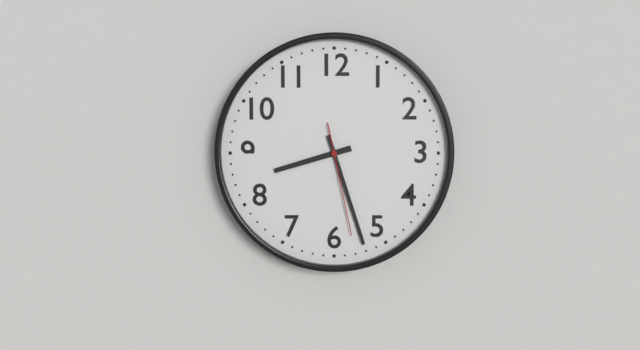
8:27:28
